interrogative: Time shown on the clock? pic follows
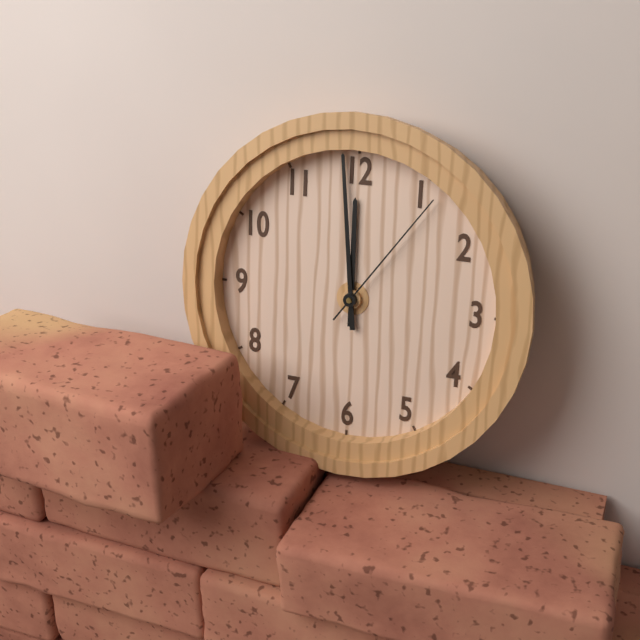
11:59:06
